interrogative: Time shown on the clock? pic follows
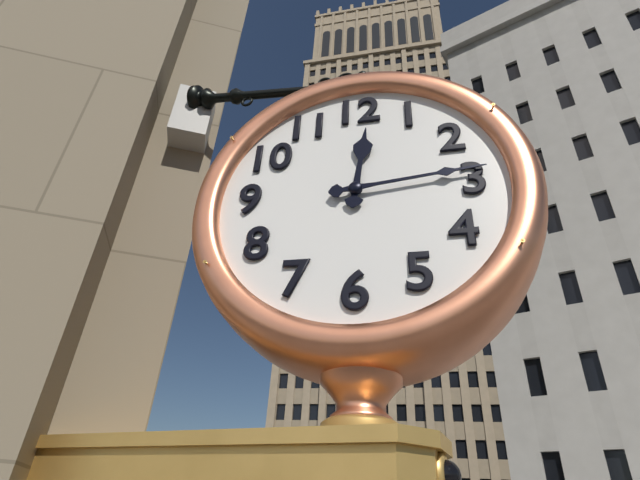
12:14
